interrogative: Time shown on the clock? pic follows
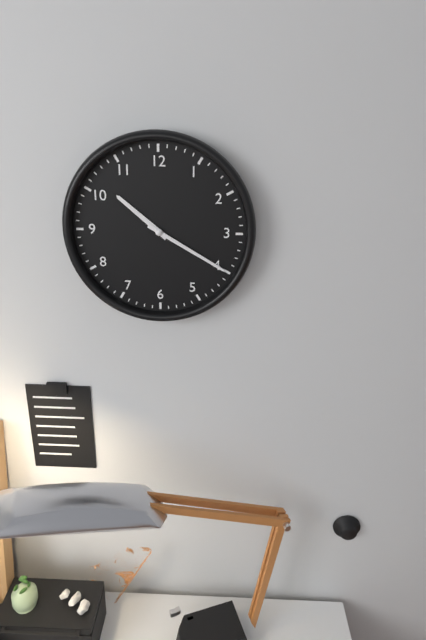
10:20
